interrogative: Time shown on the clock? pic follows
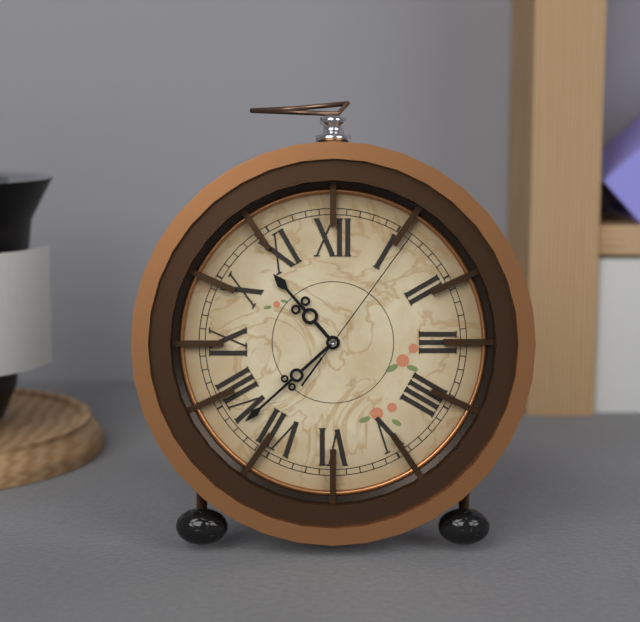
10:38:06
